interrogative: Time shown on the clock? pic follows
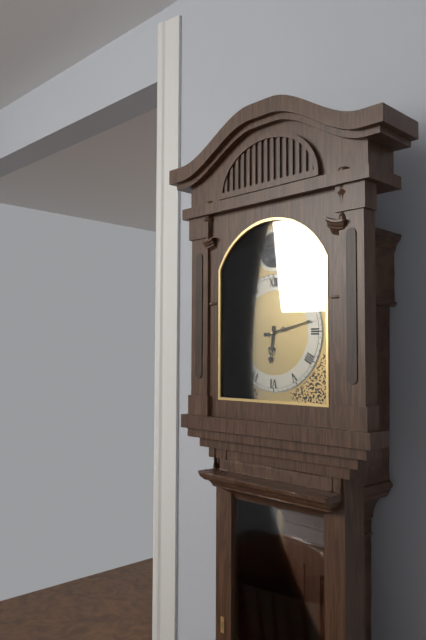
6:13
